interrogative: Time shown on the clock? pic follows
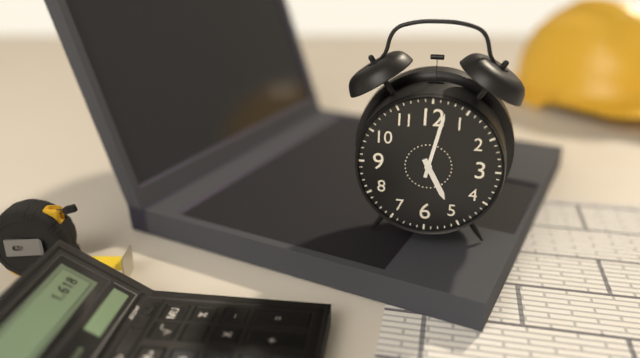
5:02
